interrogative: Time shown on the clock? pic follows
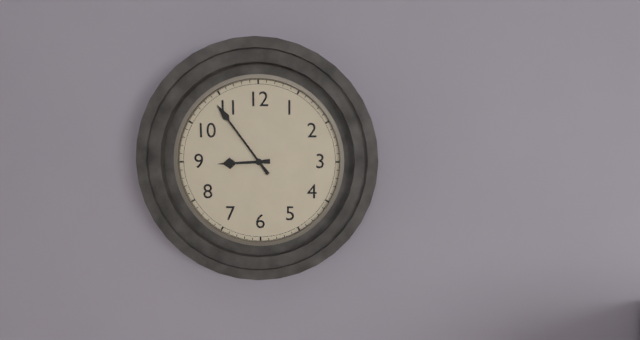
8:54
